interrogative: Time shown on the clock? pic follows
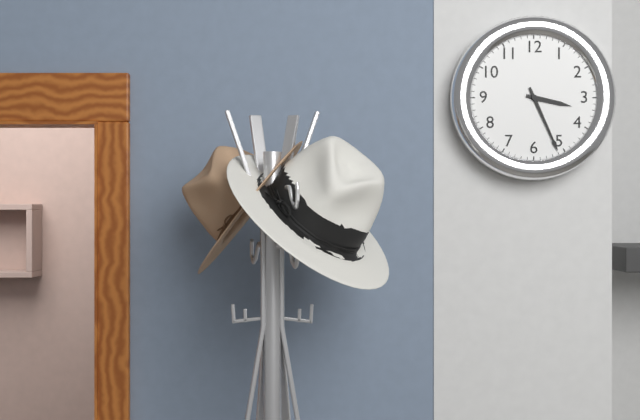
3:26
